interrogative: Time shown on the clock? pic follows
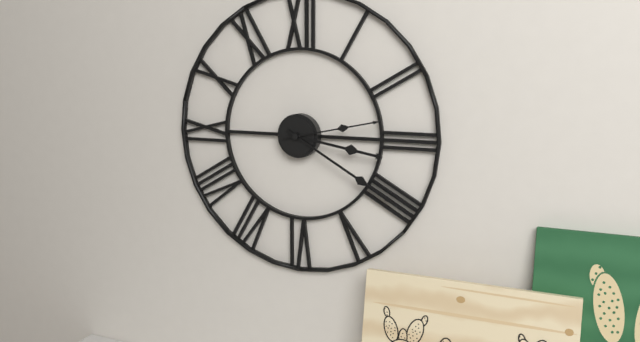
3:20:13
